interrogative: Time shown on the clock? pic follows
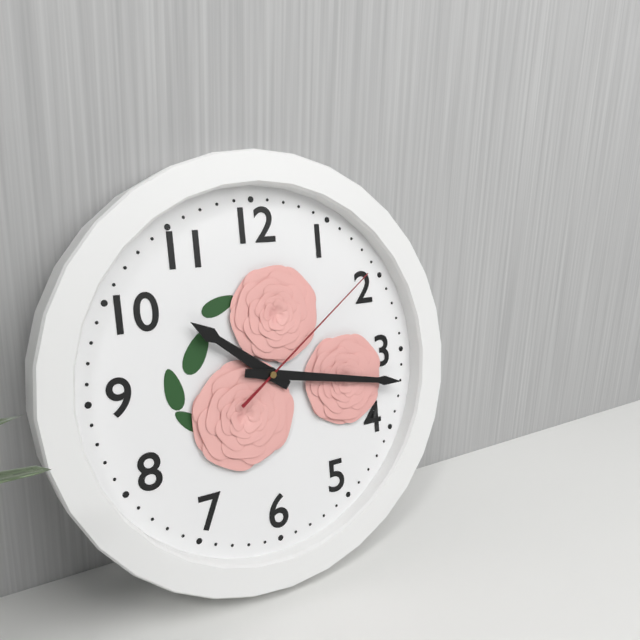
10:17:09
